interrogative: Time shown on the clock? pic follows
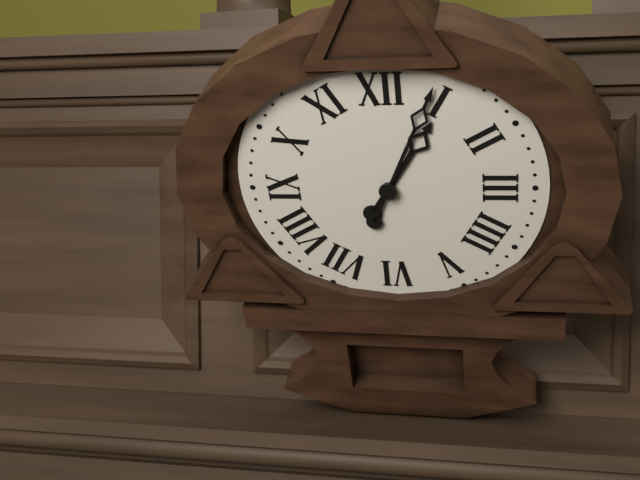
1:04
